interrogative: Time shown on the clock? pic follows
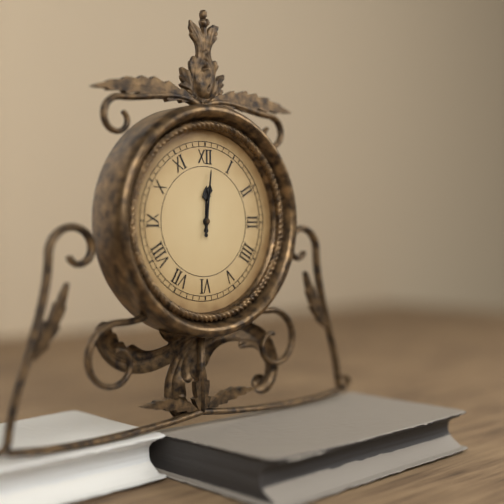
12:01
